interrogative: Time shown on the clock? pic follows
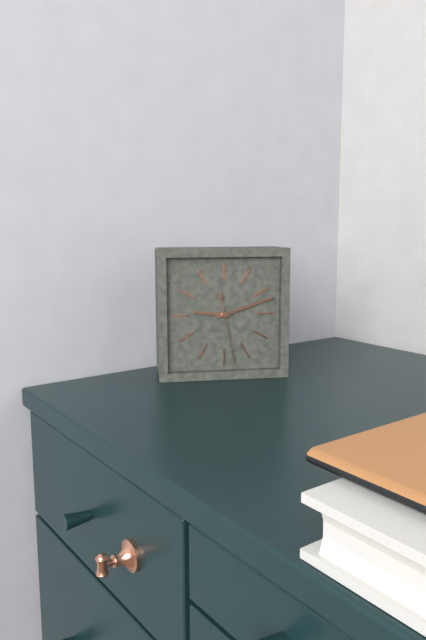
9:12:28
